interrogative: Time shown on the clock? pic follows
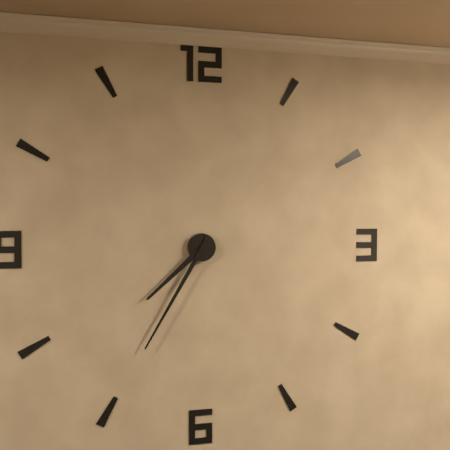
7:35
